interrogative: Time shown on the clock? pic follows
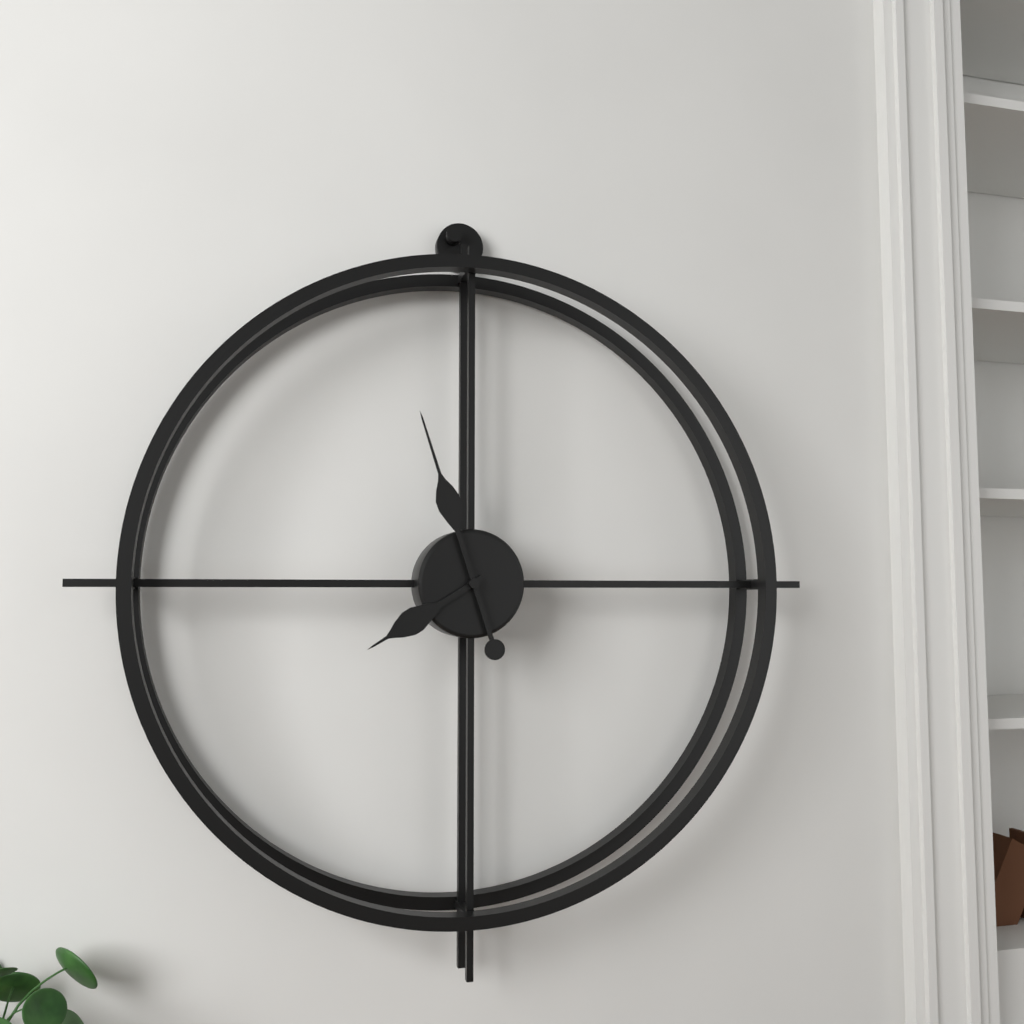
7:57
